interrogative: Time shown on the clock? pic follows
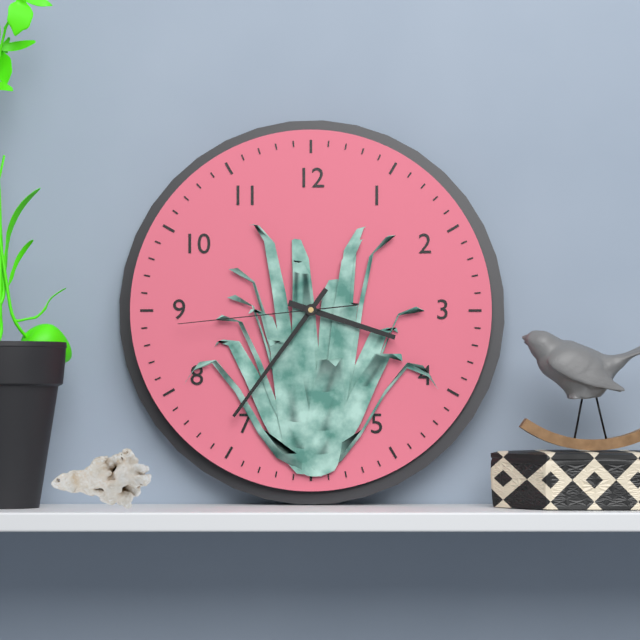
3:36:44
